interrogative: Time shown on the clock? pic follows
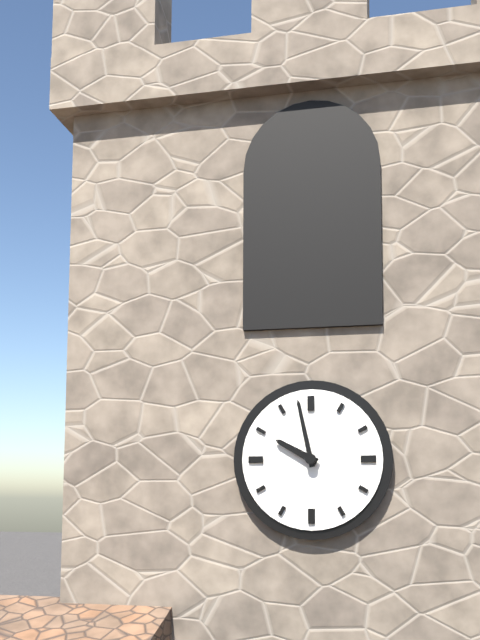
9:58
